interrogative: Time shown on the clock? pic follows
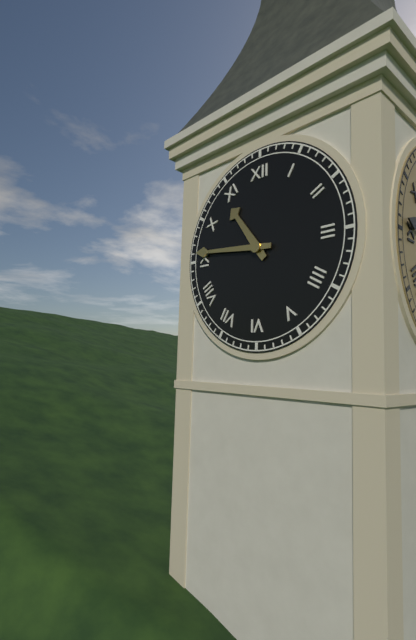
10:46
